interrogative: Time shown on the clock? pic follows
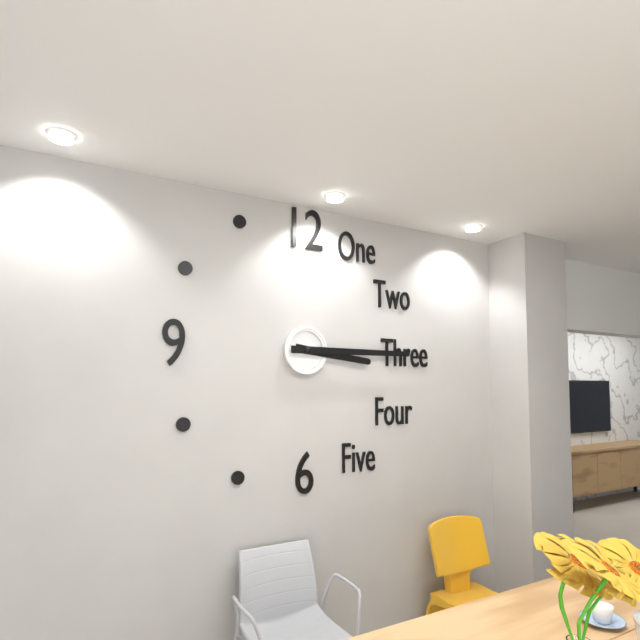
3:15
